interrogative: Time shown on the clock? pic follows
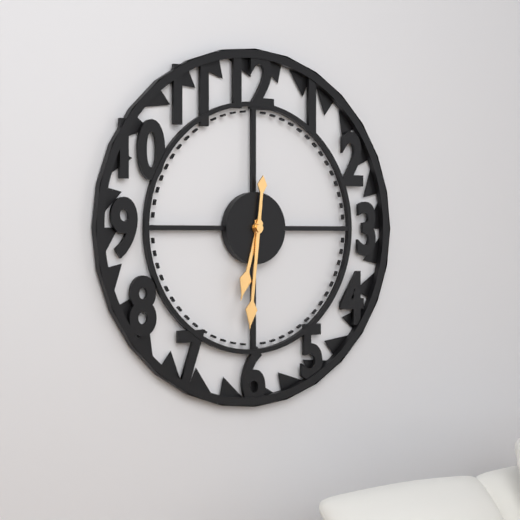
6:31
